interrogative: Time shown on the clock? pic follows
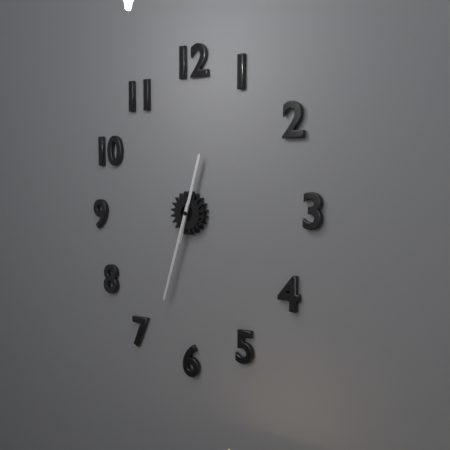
12:33
